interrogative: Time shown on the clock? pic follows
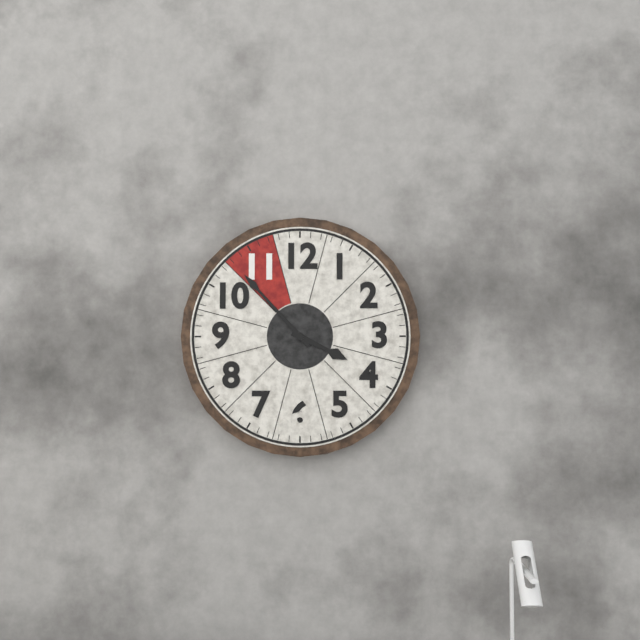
3:53
